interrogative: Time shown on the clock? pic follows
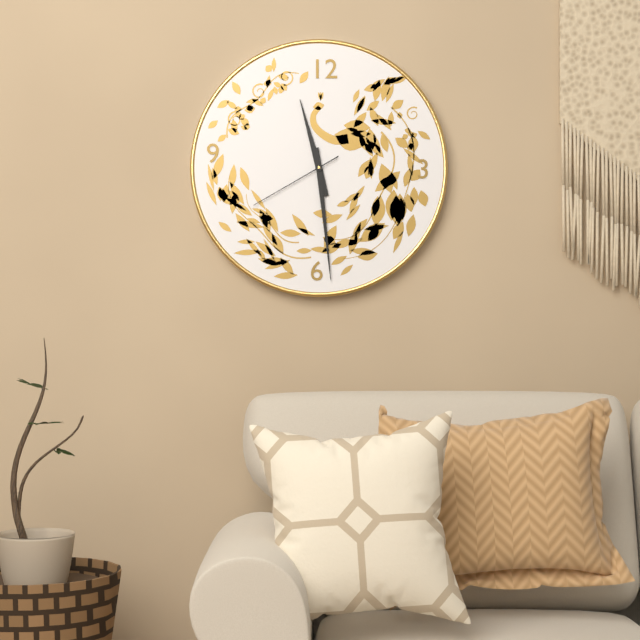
11:29:40
